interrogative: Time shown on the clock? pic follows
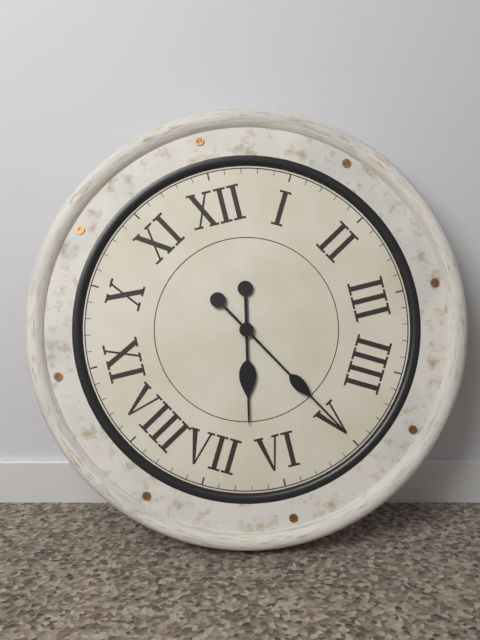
6:25
